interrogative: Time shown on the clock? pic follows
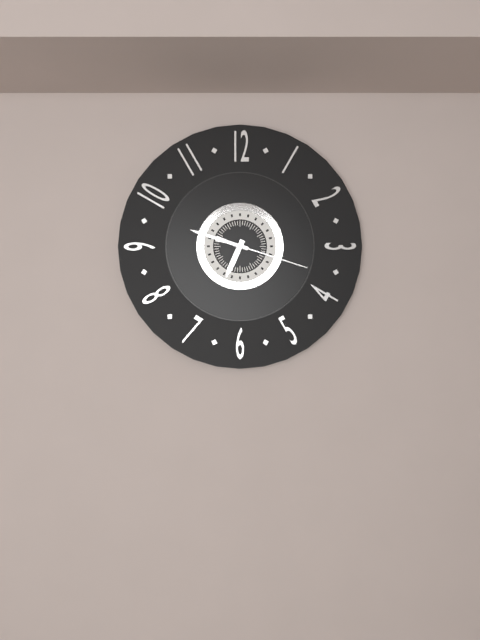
6:48:18
